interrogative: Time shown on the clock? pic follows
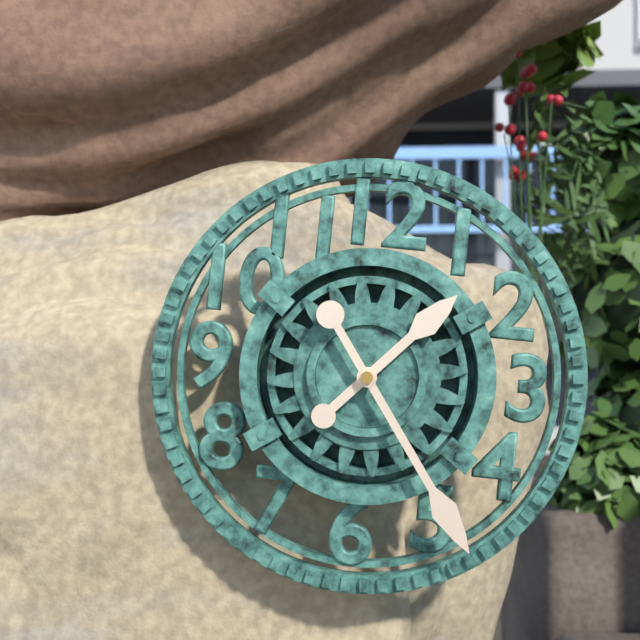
1:24
